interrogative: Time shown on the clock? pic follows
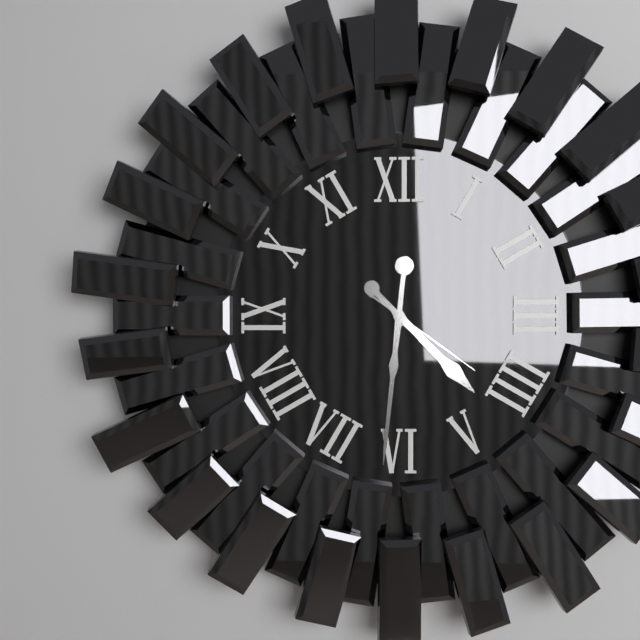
4:31:21
